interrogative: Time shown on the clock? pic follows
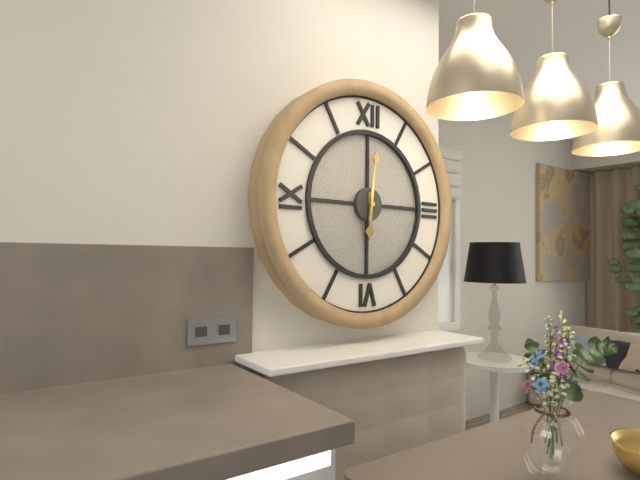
6:01
